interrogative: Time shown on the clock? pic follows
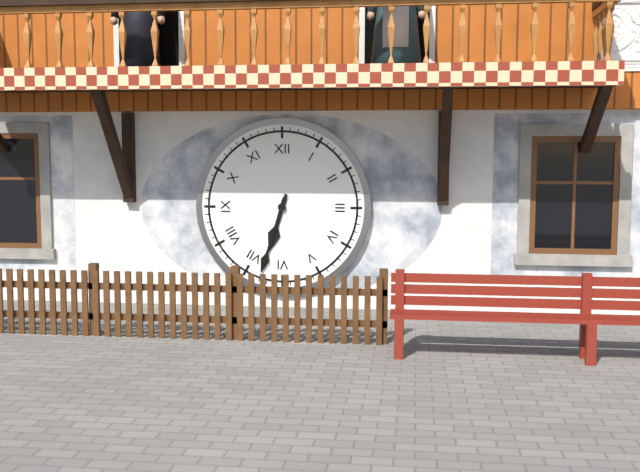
6:33
